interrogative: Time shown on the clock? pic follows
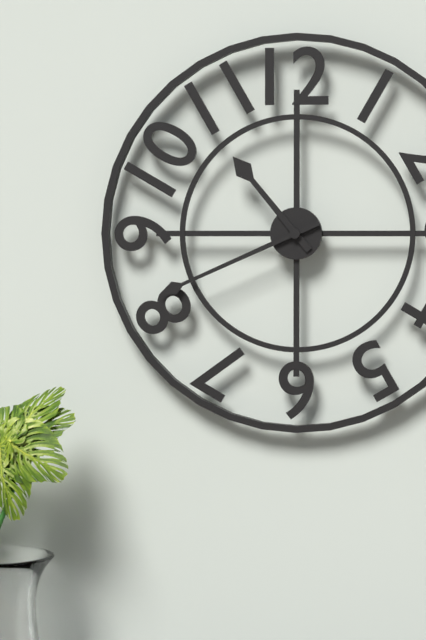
10:41
